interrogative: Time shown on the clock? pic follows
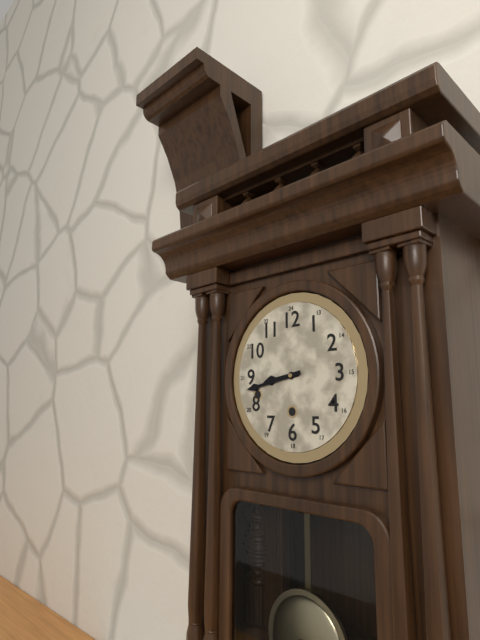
8:43
